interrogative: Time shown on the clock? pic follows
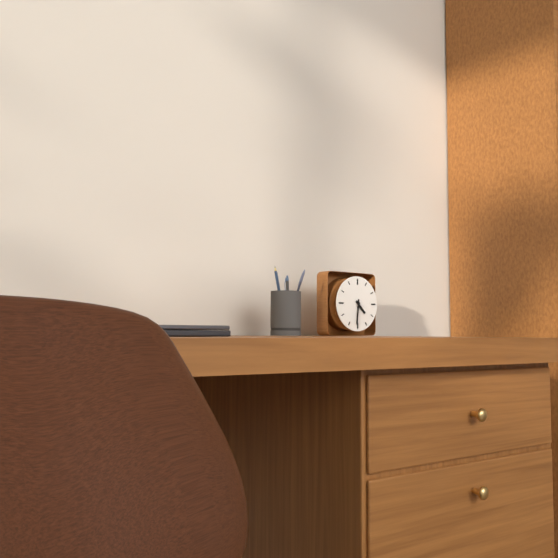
4:31
